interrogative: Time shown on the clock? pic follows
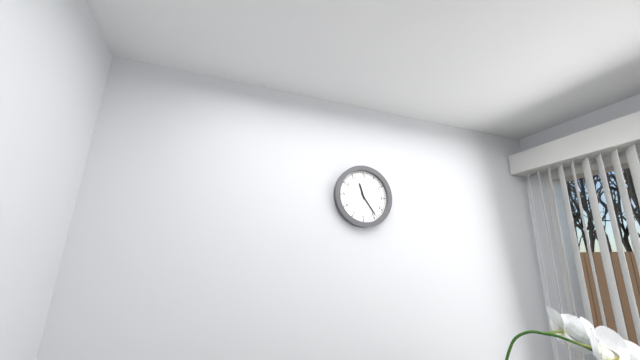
11:24
